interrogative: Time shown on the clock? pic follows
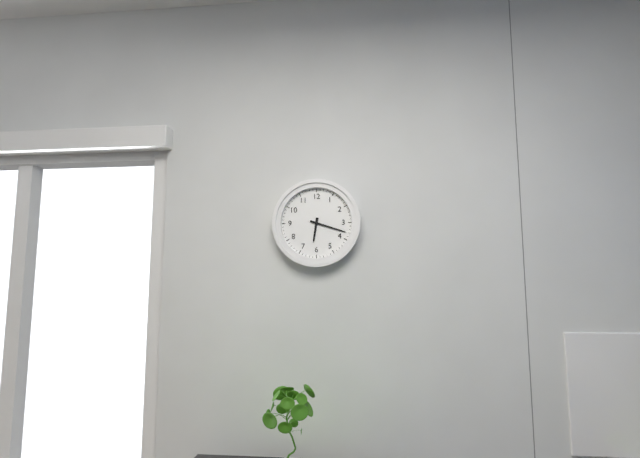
6:18
